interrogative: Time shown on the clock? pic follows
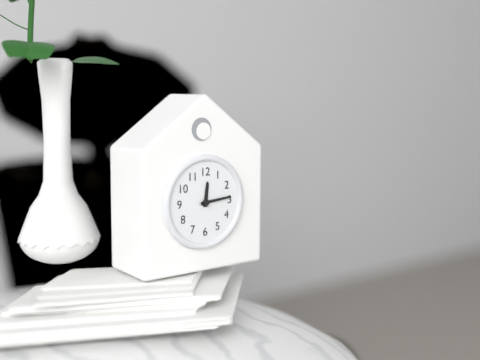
12:14
